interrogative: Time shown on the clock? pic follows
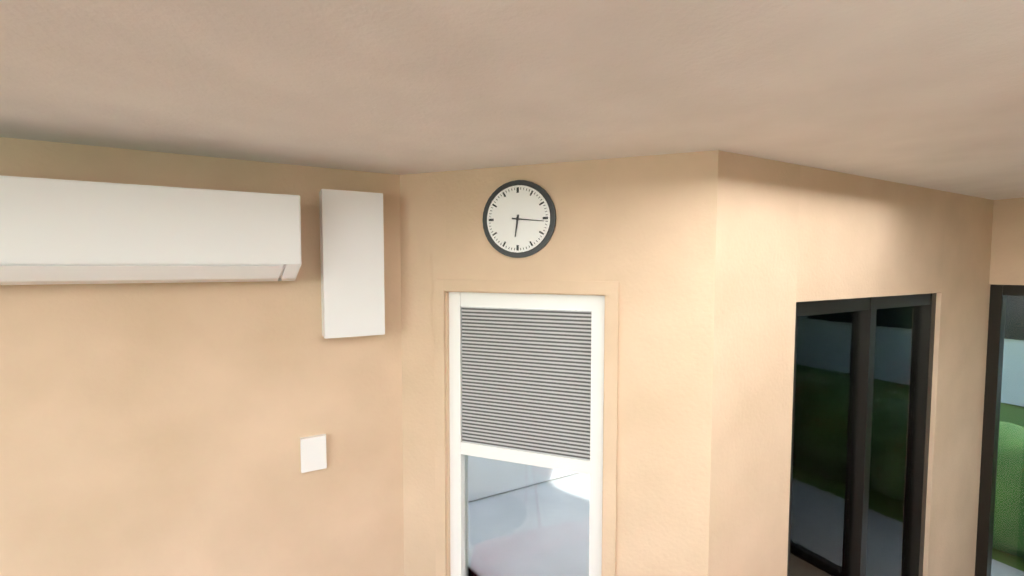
6:16
